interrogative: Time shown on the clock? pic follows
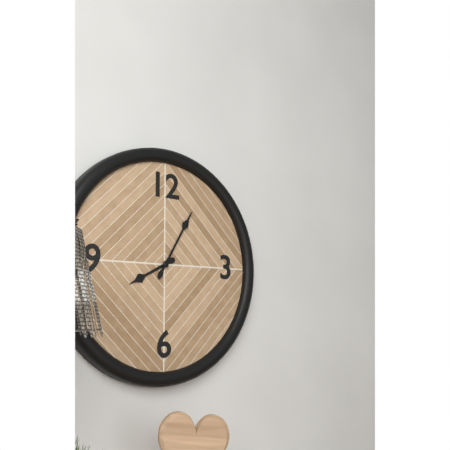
8:05
